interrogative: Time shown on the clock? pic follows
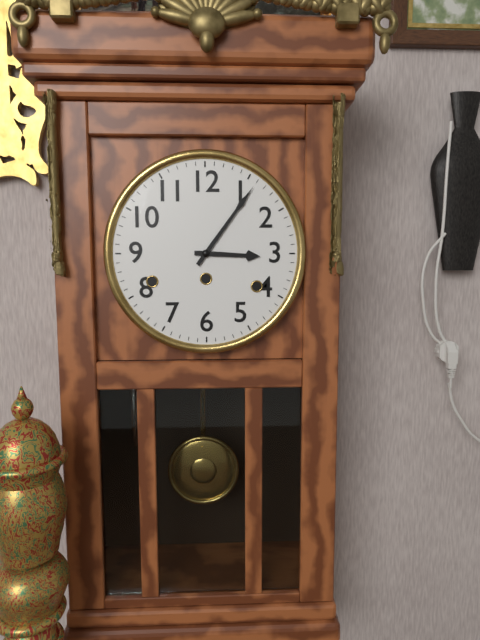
3:06
